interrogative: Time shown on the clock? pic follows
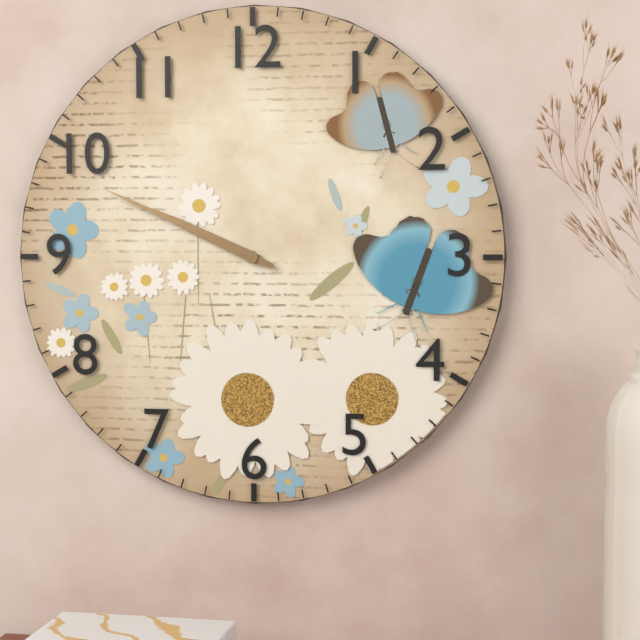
9:49
